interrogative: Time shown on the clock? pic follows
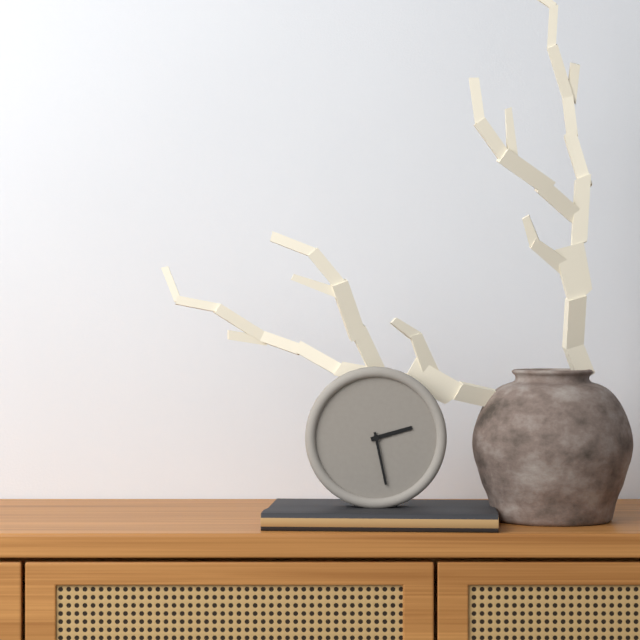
2:28
